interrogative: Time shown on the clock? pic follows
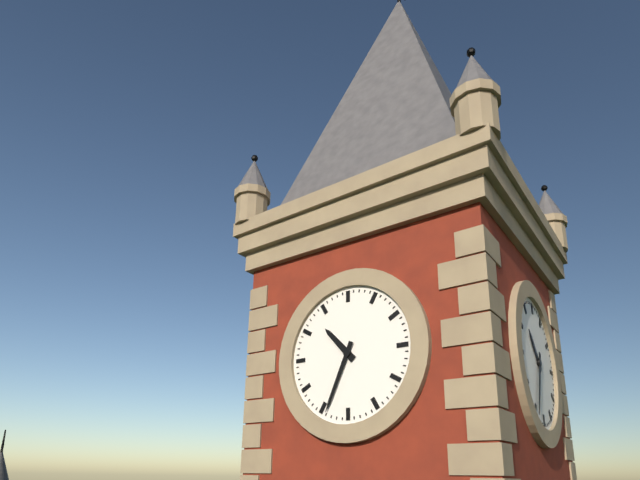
10:34
